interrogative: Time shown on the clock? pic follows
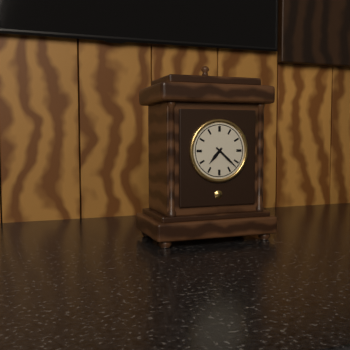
7:22
